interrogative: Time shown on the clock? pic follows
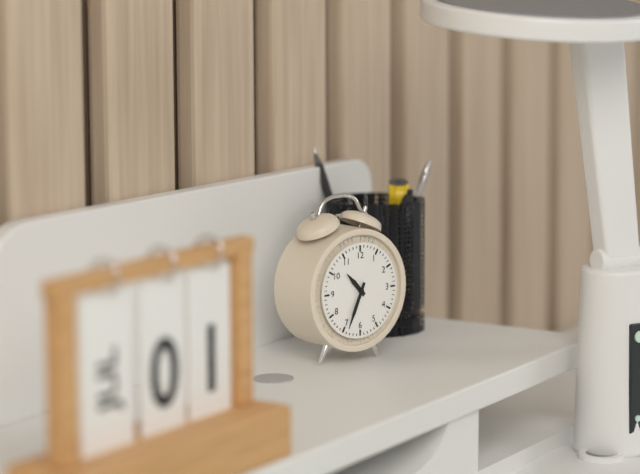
10:34
